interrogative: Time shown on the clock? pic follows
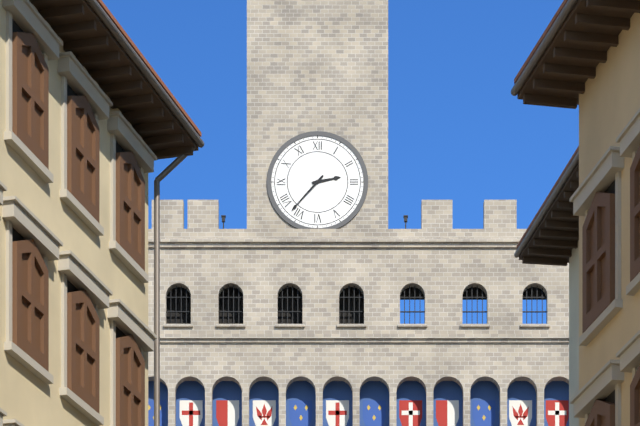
2:37
